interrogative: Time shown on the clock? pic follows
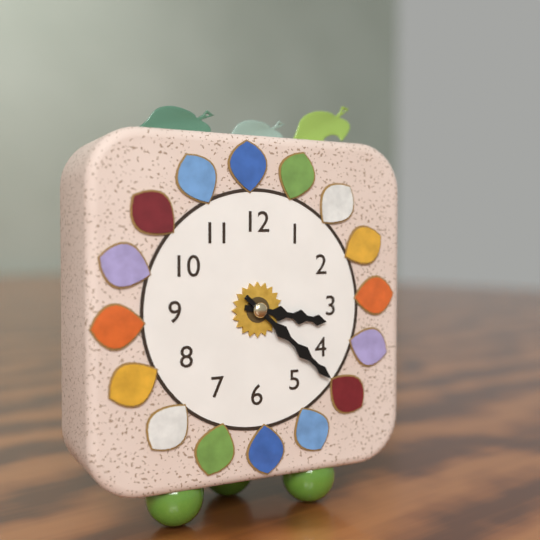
3:22
